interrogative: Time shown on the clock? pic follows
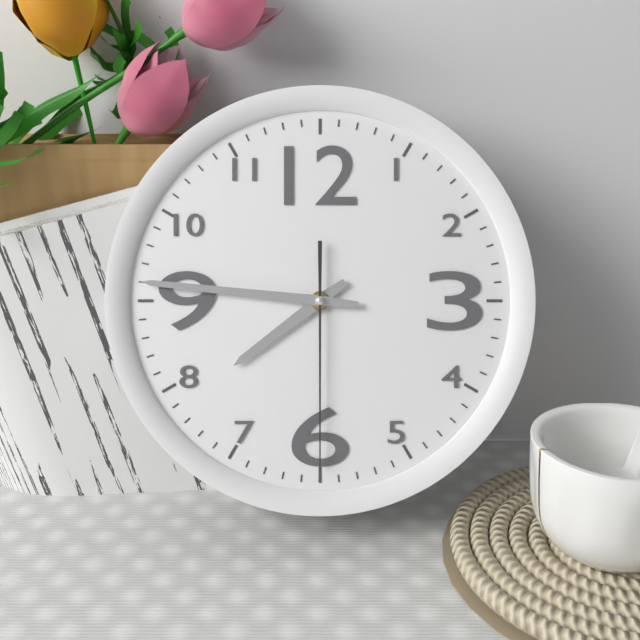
7:46:30
